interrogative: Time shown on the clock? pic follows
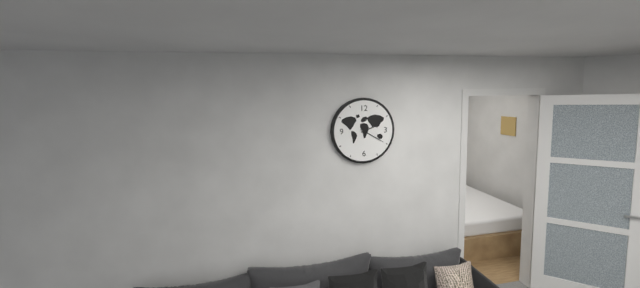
2:20
